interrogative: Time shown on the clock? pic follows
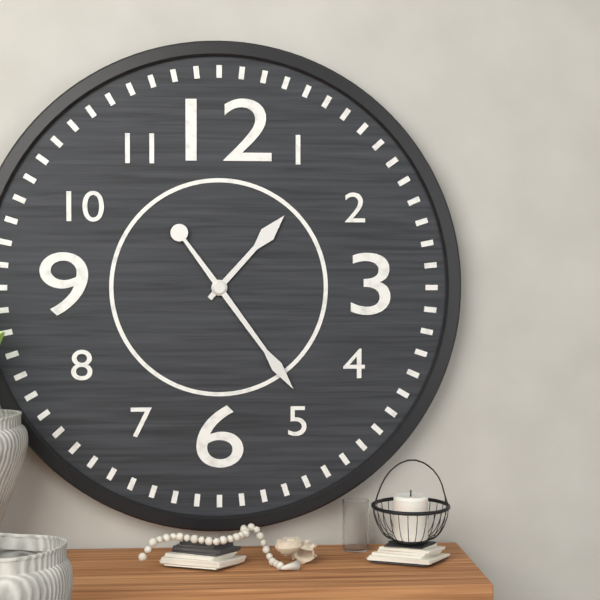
1:24
